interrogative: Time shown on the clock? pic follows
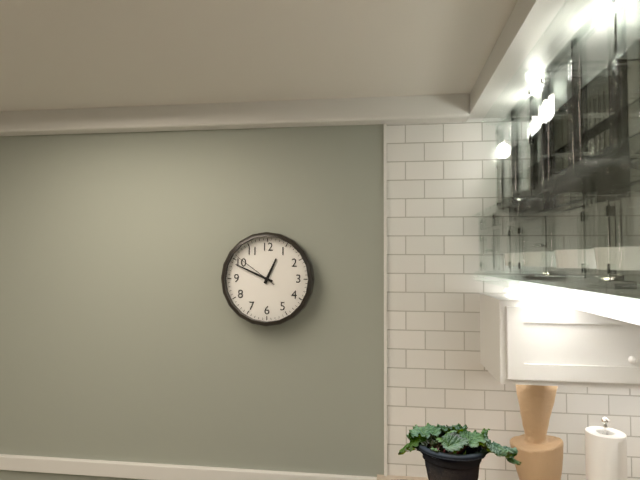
12:49
